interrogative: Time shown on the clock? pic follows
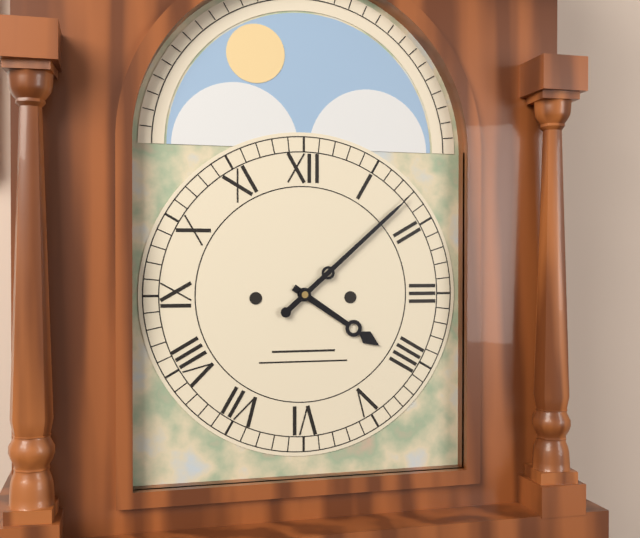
4:08
